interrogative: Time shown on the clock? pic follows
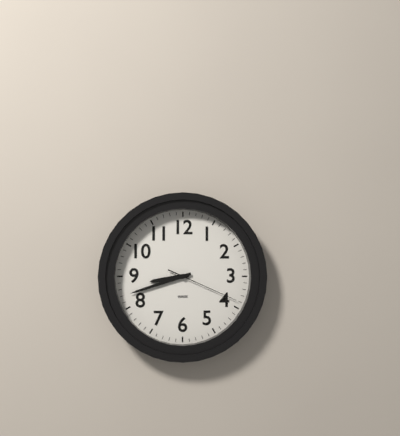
8:42:19
